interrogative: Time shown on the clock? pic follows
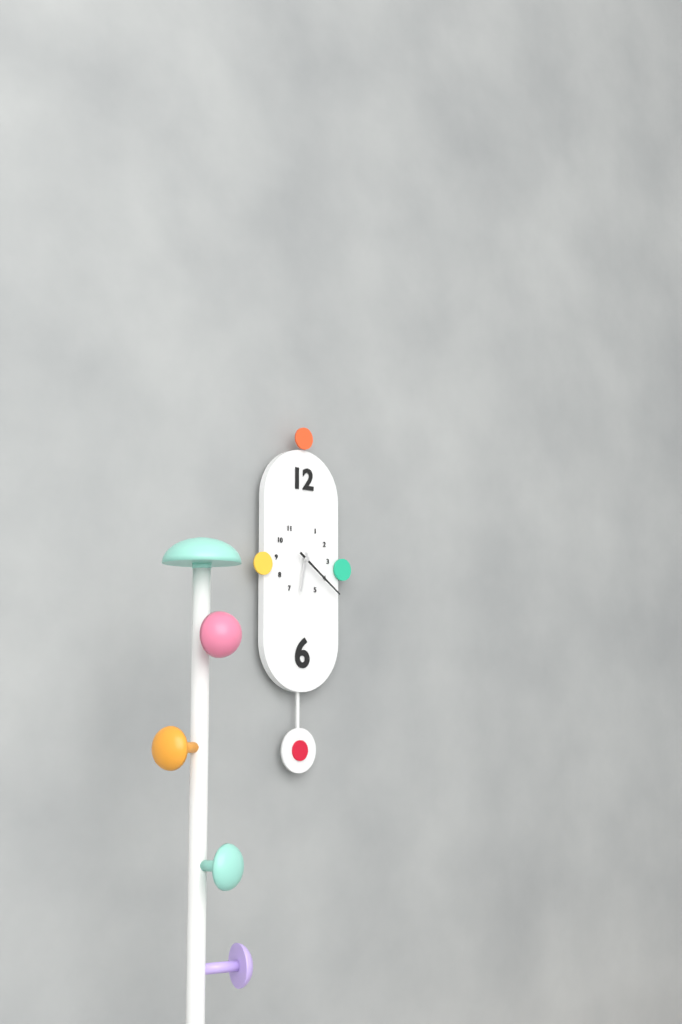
6:21
